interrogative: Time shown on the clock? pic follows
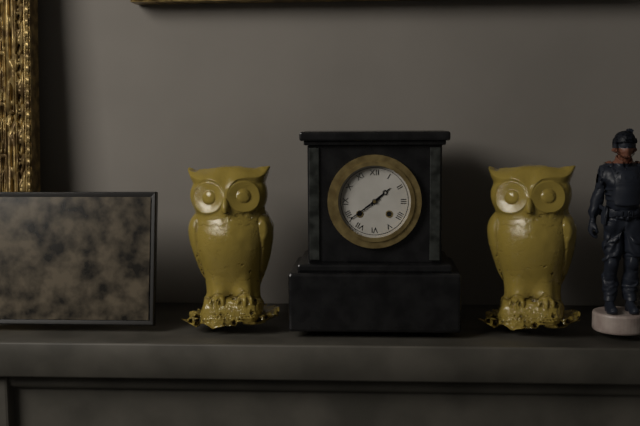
1:39
